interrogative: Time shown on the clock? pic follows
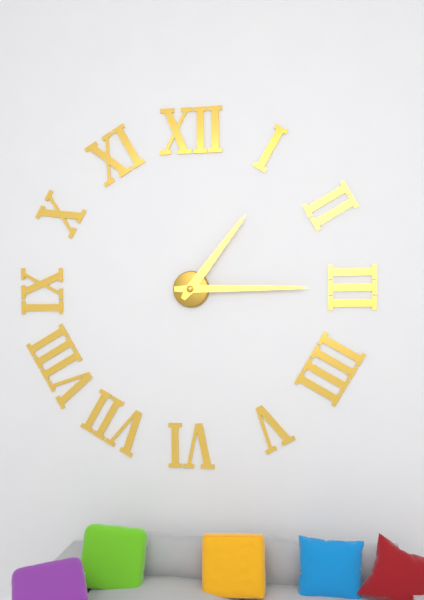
1:15
